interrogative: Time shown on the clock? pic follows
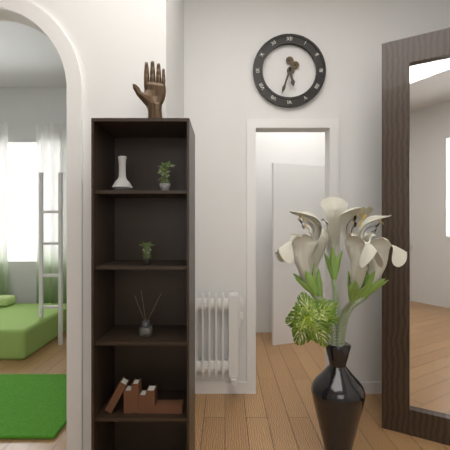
5:33
